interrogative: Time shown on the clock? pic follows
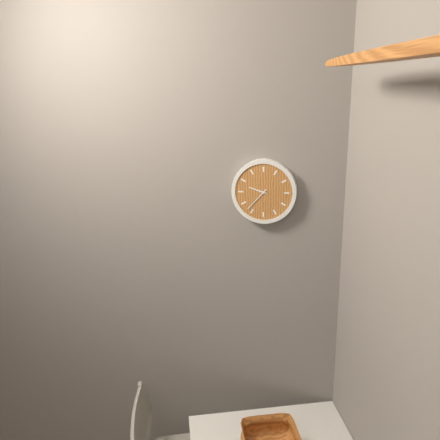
9:37
